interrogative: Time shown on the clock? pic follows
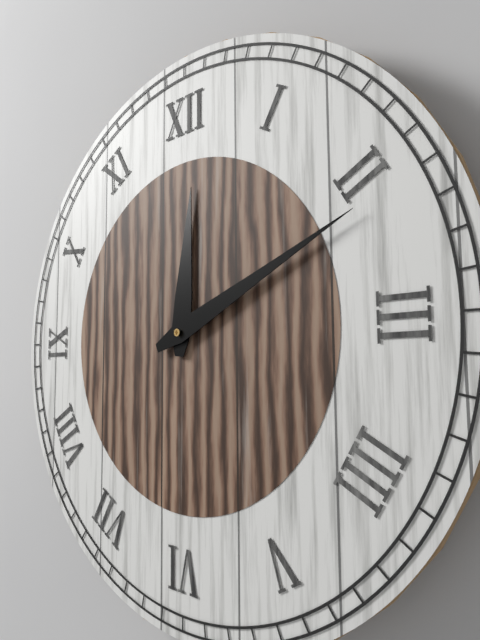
12:11
